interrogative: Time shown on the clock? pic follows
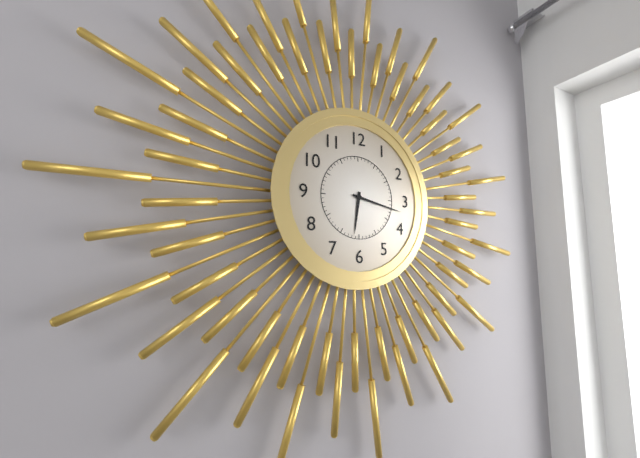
6:17
